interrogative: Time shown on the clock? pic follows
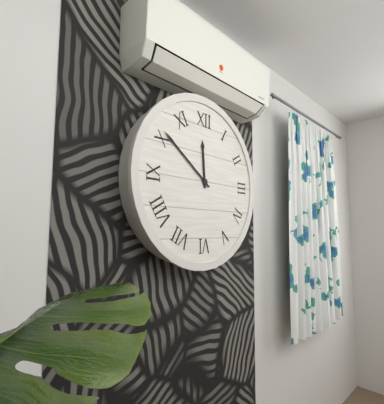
11:51
